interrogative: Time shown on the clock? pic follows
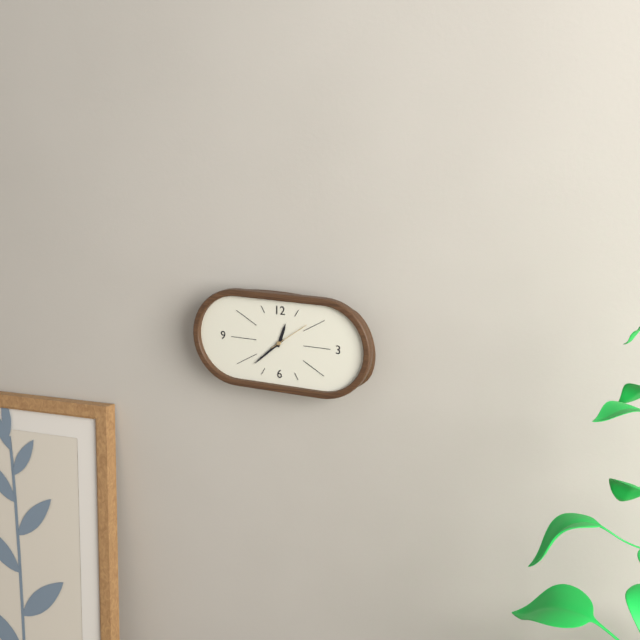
12:38
